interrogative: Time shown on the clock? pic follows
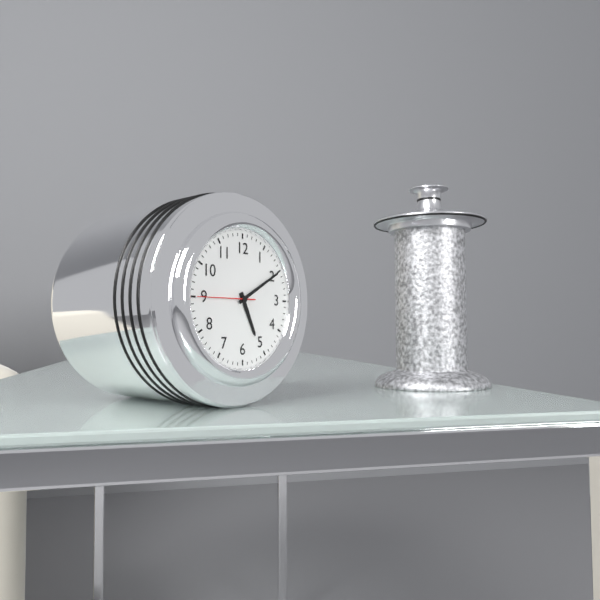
5:10:45
